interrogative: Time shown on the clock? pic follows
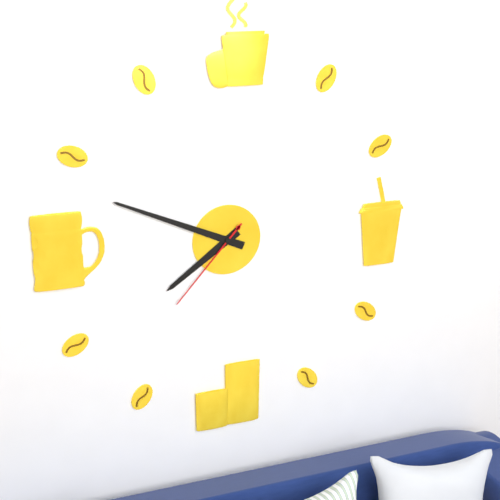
7:49:37
